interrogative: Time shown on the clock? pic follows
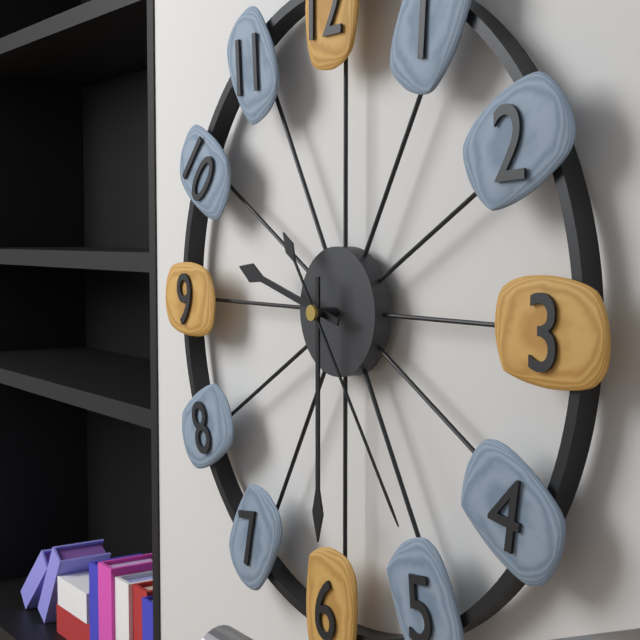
9:30:24
